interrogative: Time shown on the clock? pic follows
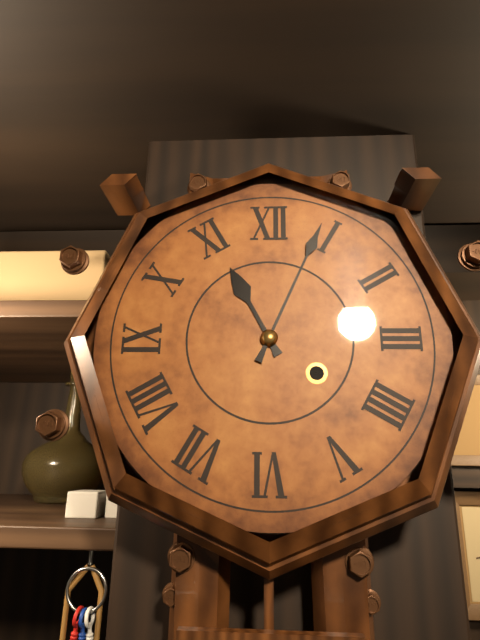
11:04
